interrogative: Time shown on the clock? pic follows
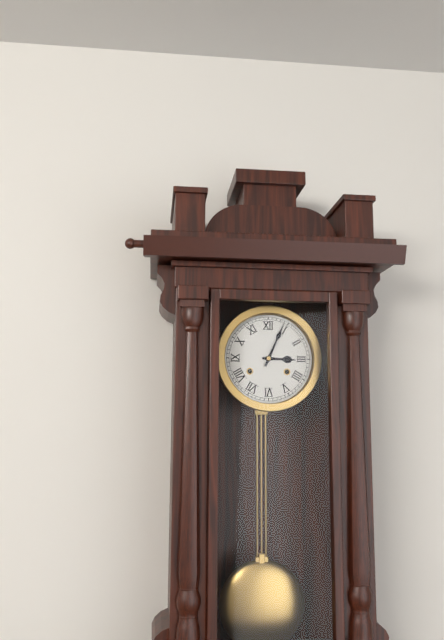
3:04
